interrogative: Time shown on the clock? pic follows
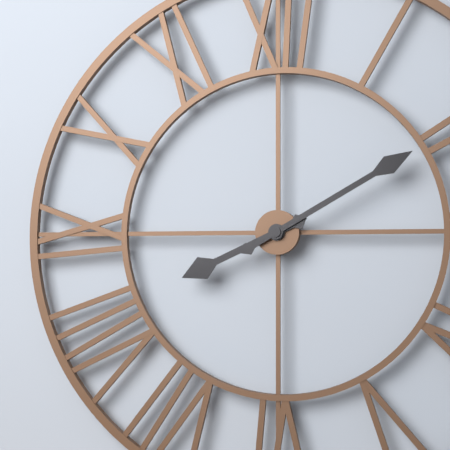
8:10
